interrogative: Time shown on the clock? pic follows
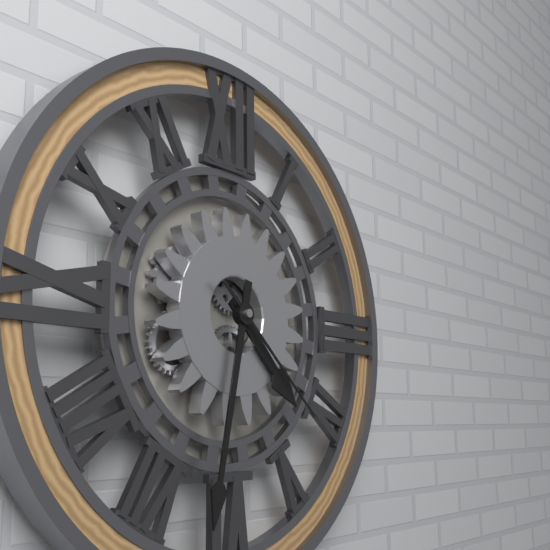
4:32:22
